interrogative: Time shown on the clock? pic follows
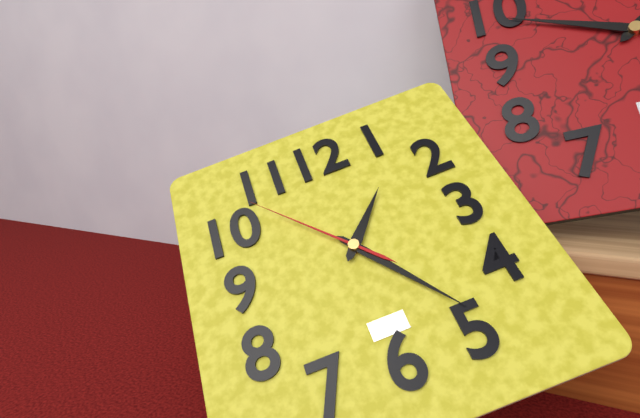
1:24:53
